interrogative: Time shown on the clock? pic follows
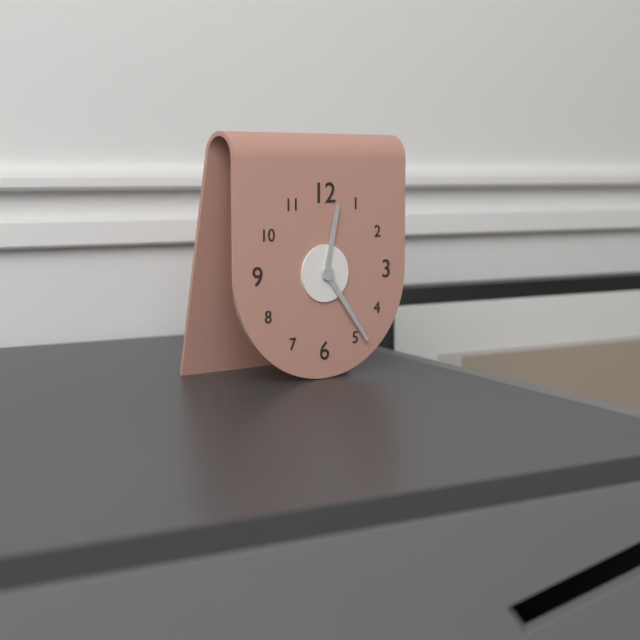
12:24
